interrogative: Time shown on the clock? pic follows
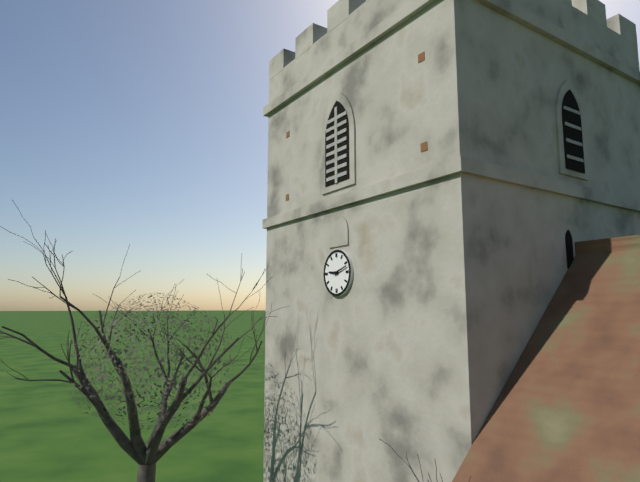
9:12
